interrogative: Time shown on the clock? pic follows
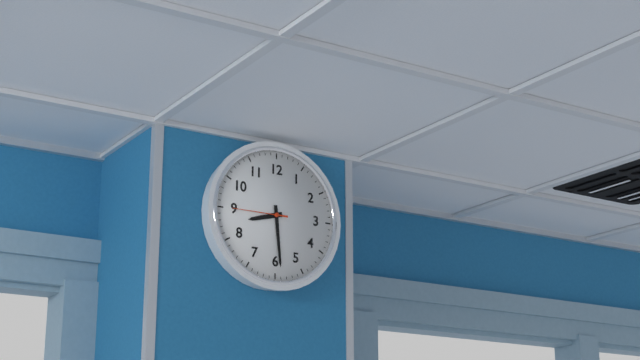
8:29:45
